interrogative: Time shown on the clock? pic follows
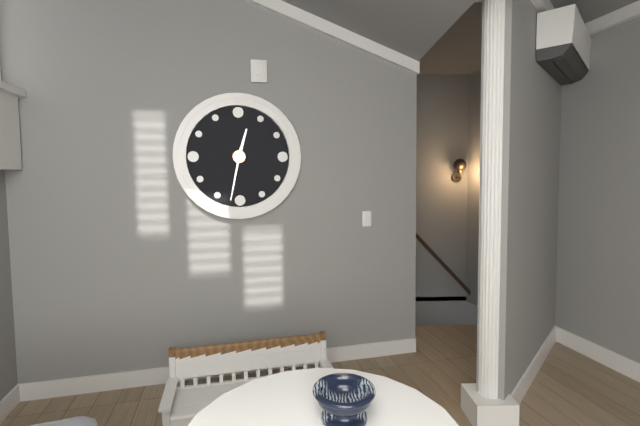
12:32
